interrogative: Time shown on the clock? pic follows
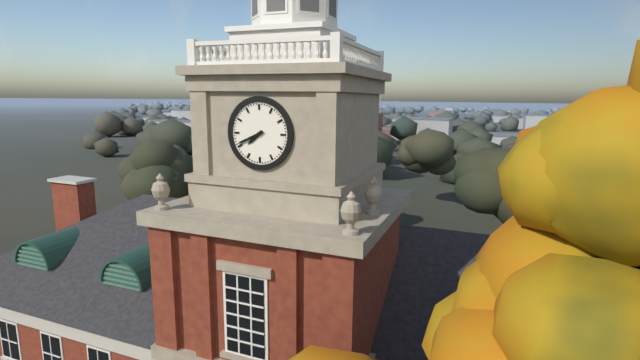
7:41
